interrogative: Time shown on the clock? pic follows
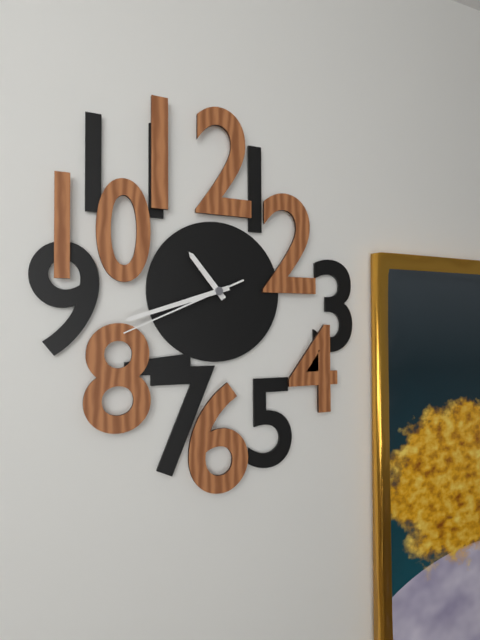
10:42:41
